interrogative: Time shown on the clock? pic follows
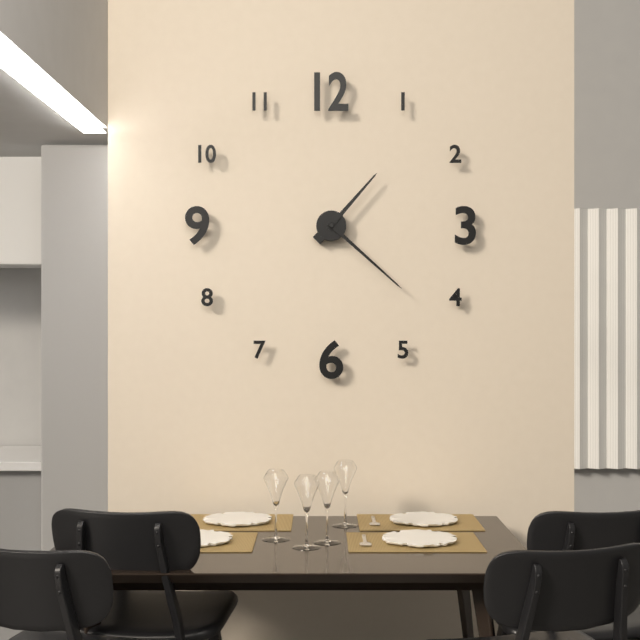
1:22
